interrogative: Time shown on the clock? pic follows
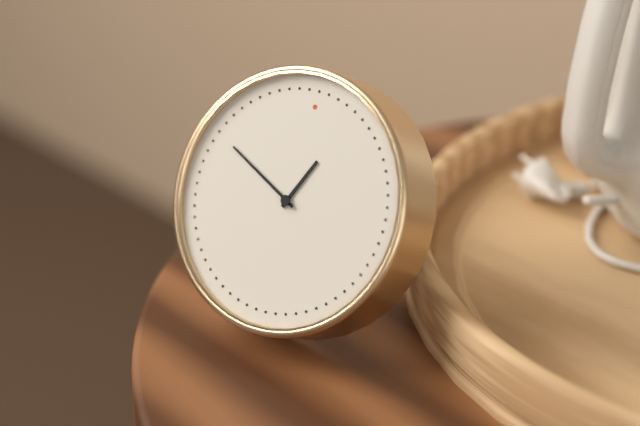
12:49
